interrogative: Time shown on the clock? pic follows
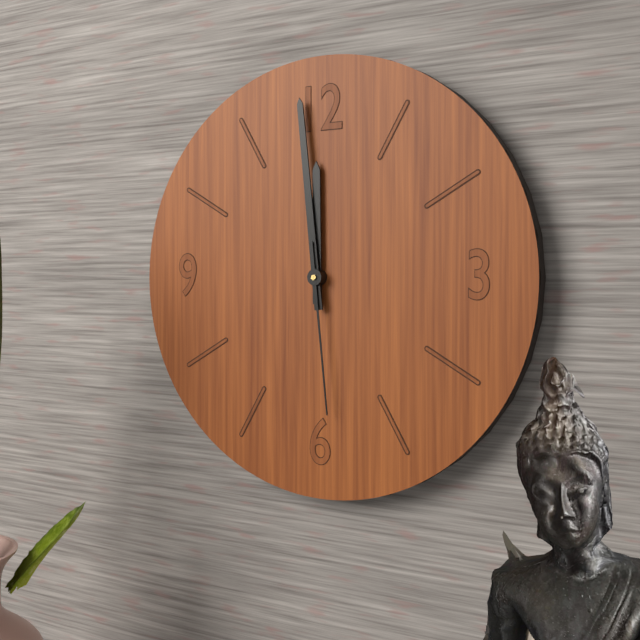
11:59:29
